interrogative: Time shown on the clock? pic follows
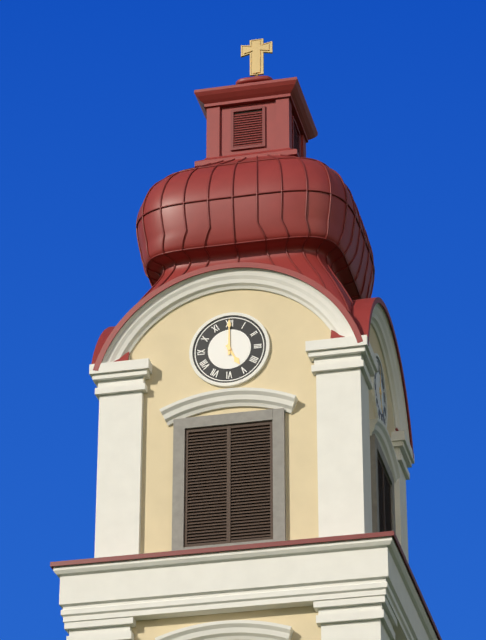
5:00
